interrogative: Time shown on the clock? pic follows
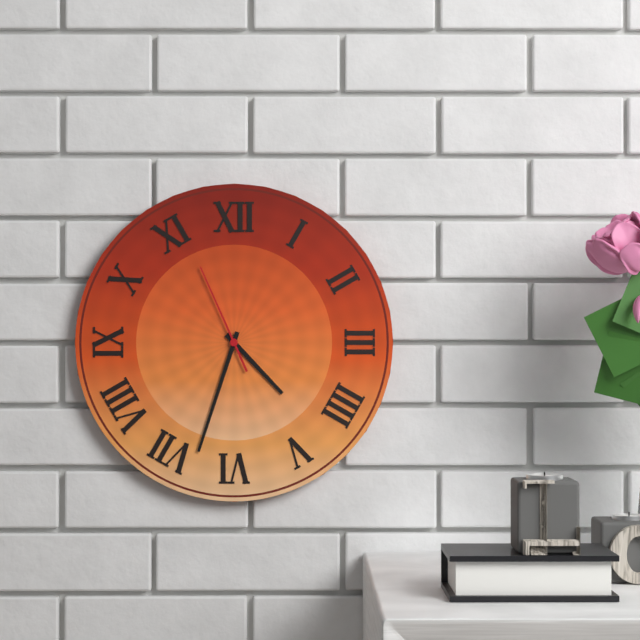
4:33:56
